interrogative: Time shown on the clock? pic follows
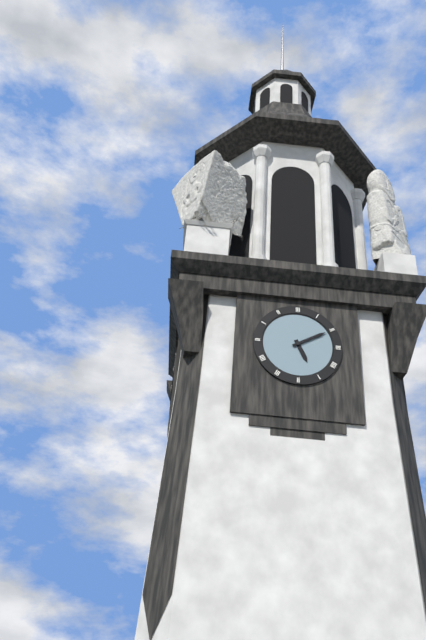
5:10
